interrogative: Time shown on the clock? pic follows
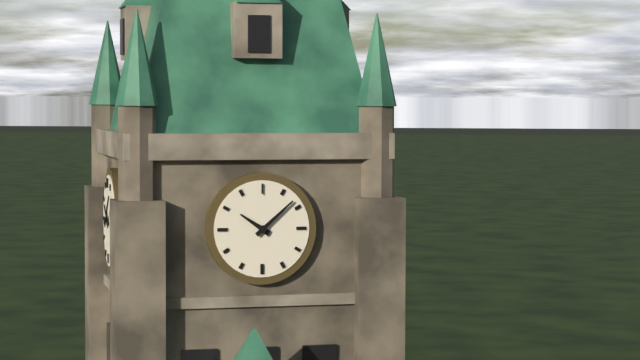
10:08
